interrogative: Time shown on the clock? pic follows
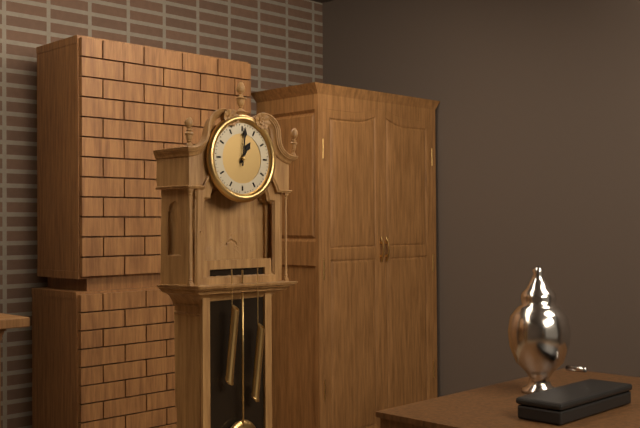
1:01
